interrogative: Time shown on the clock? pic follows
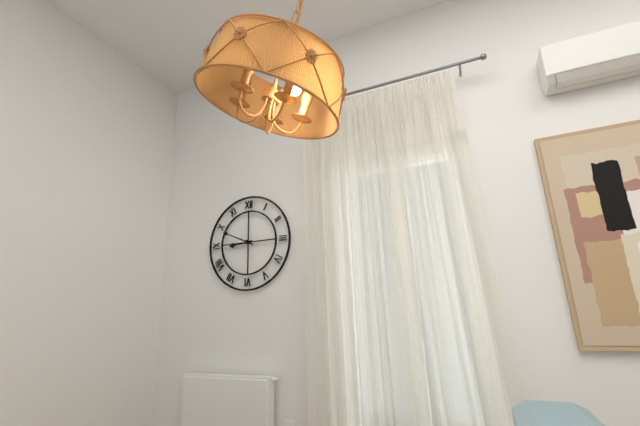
8:49
